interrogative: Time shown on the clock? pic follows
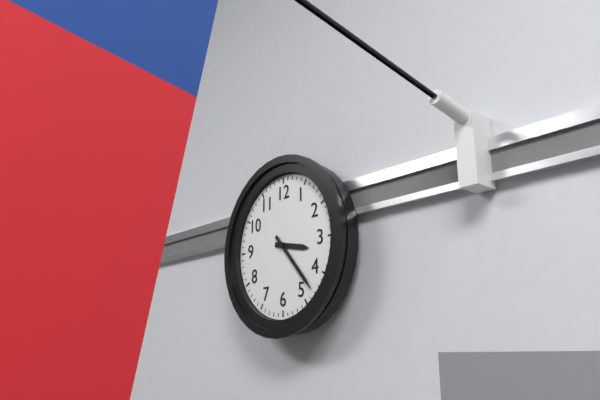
3:23
